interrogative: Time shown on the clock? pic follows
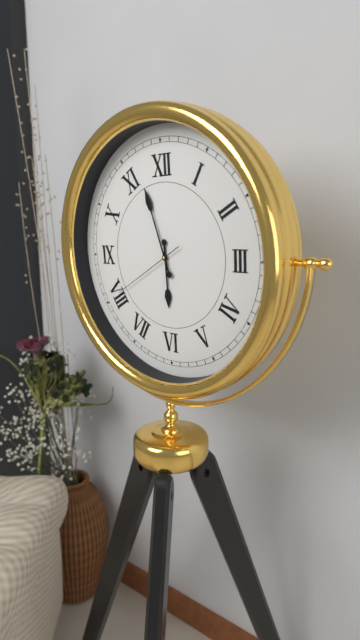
5:57:40
